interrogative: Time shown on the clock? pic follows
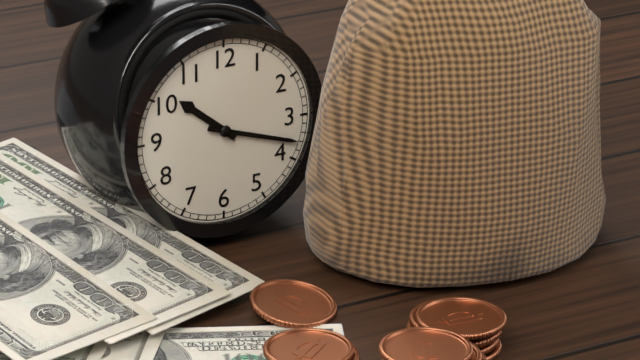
10:18
